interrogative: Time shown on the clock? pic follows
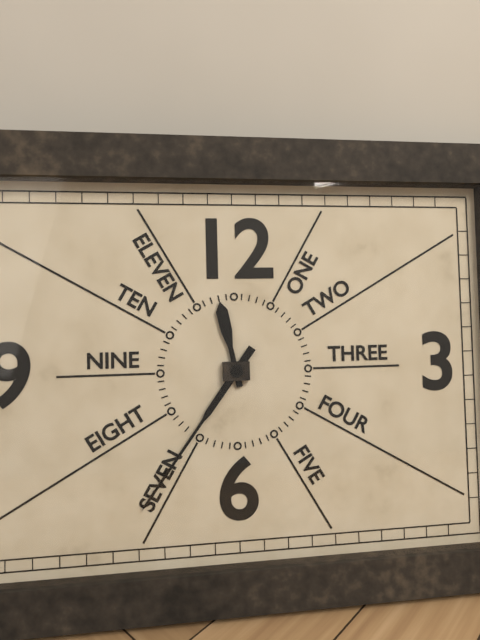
11:36
